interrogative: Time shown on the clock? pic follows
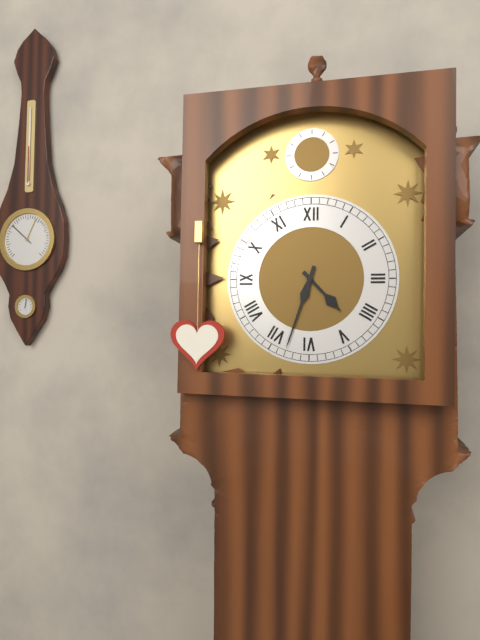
4:33
